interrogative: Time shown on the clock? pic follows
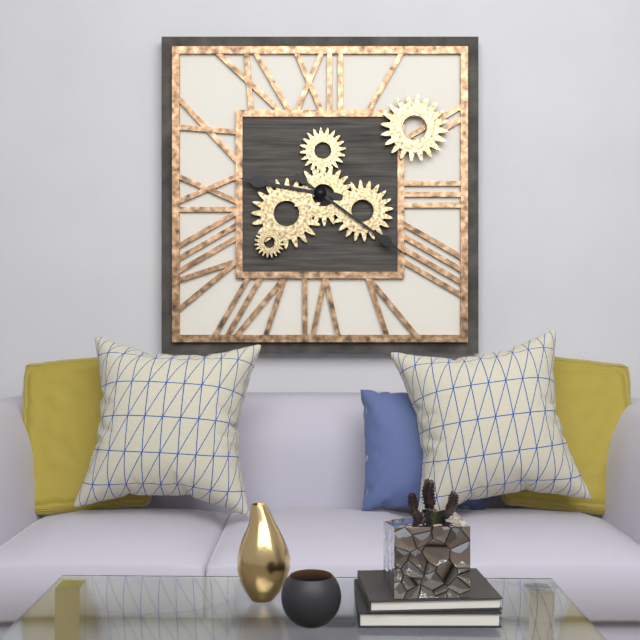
9:21
